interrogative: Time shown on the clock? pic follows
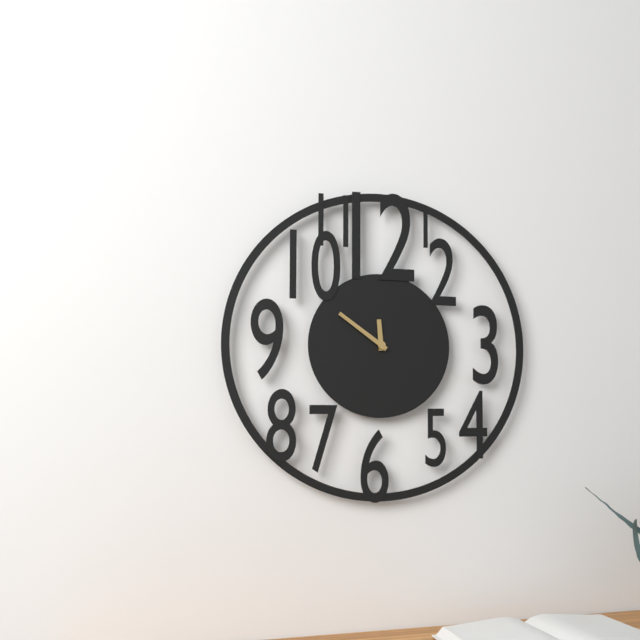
11:51
